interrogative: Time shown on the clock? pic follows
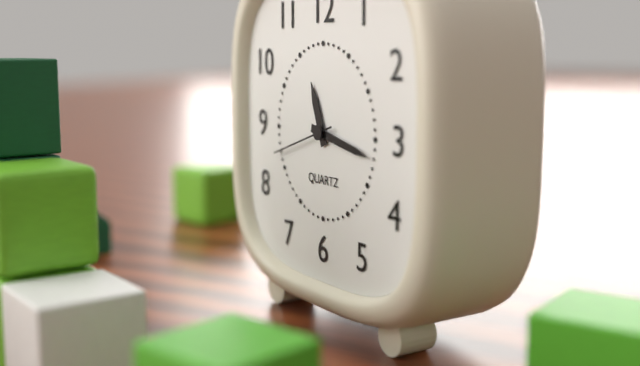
11:17:42
